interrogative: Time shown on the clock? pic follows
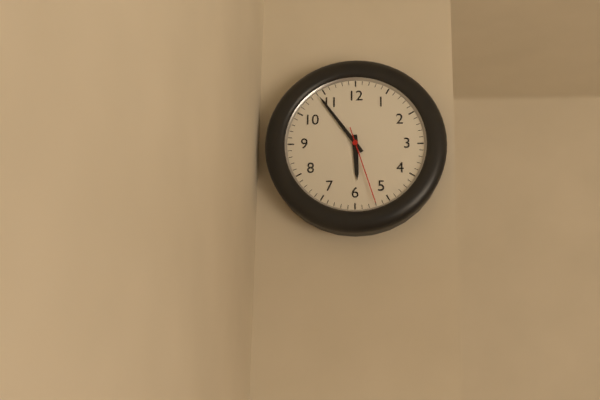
5:54:27
